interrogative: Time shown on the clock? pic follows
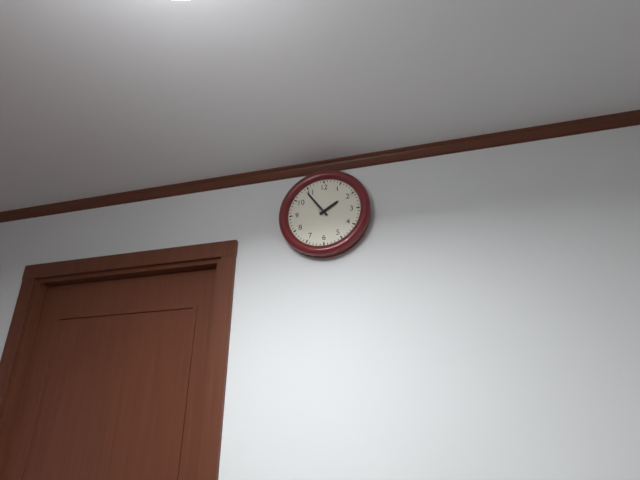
1:54
